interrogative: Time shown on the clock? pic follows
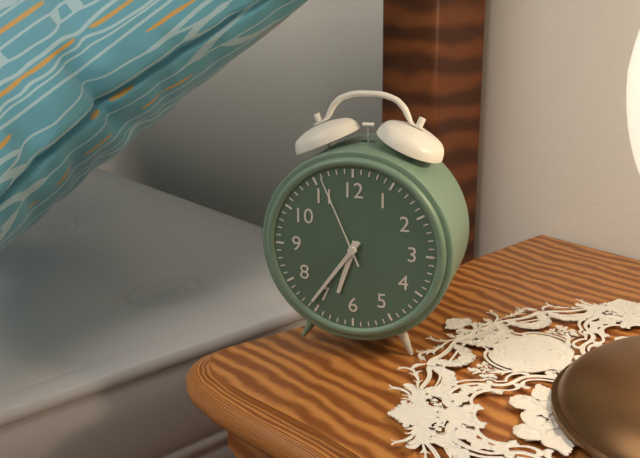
6:36:56
